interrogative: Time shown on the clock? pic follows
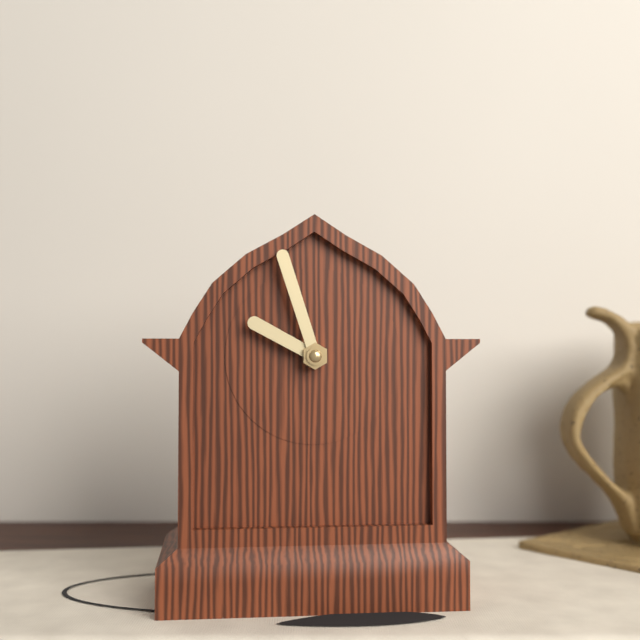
9:57
